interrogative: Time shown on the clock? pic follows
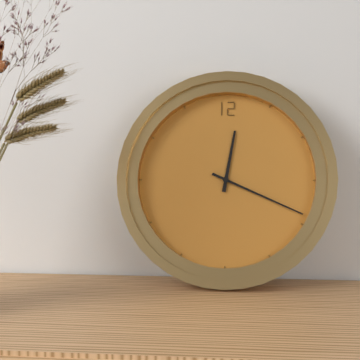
12:19
